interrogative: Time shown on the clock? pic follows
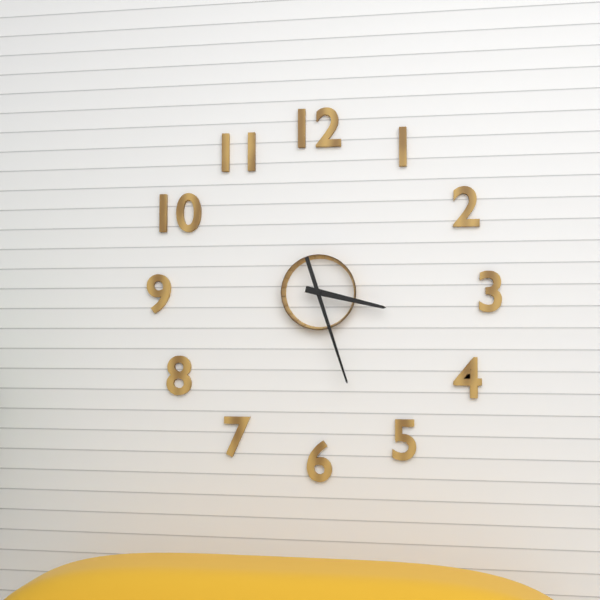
3:27
